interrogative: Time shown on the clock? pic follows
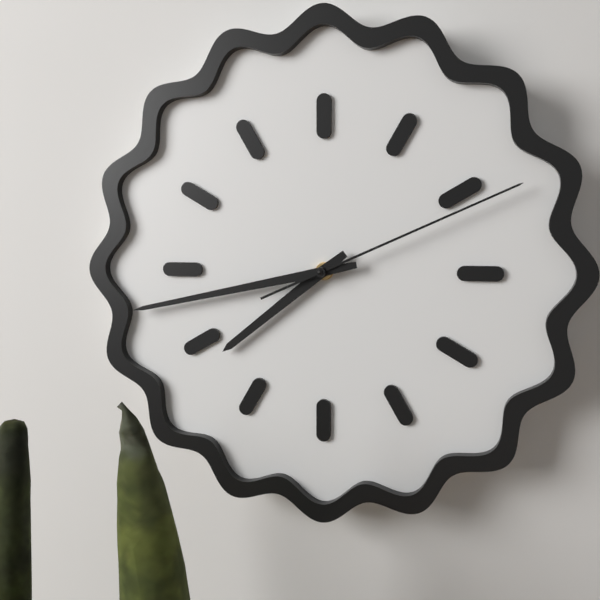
7:43:11
